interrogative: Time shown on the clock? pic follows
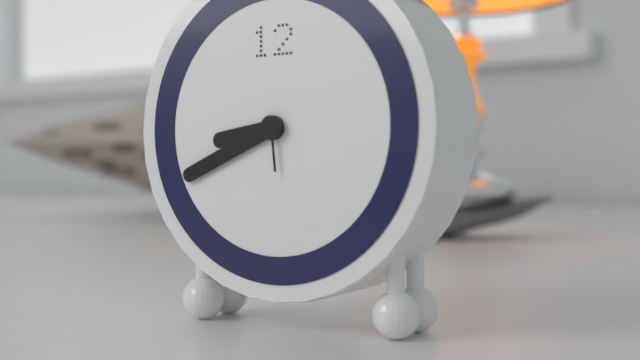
8:41:29
